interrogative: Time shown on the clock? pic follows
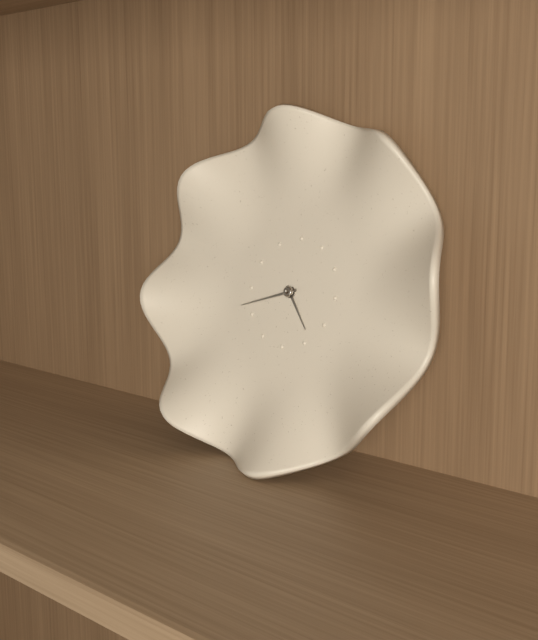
4:42
